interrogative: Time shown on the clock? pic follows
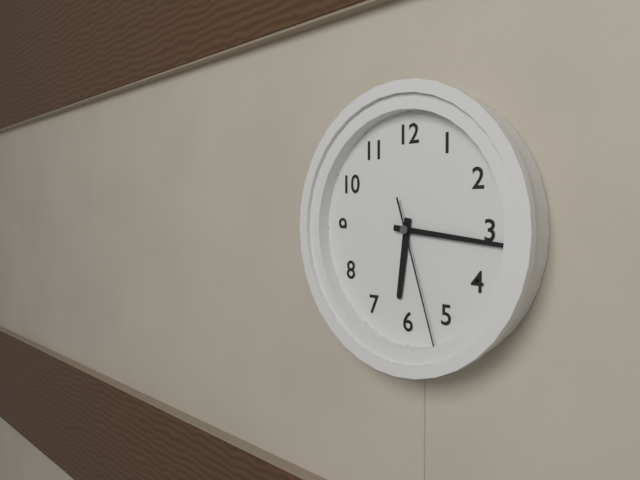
6:16:27
